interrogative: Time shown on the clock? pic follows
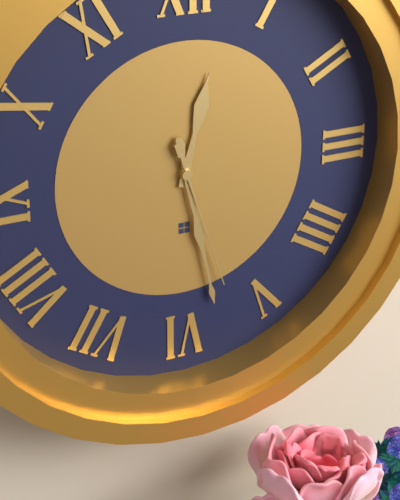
12:28:27
